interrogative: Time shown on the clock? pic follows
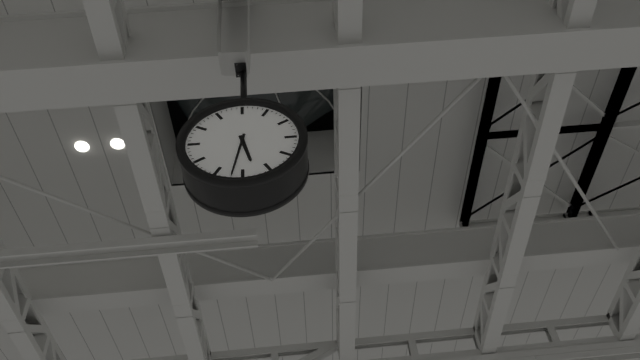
5:32
